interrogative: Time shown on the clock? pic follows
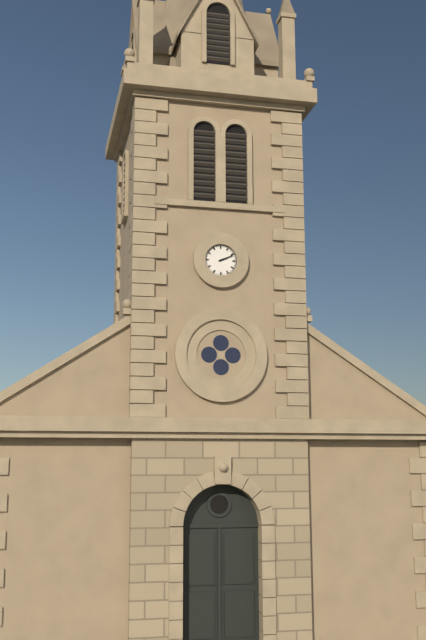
2:11
